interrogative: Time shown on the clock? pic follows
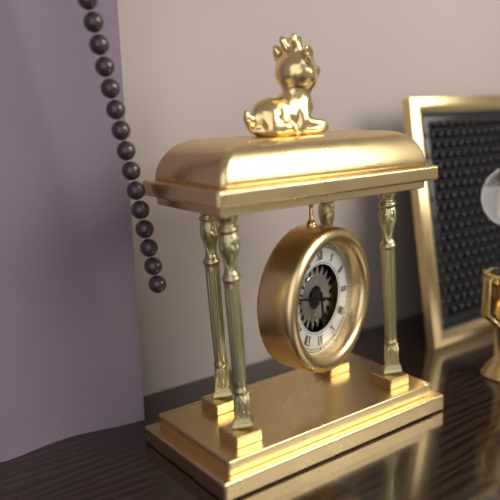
5:47
